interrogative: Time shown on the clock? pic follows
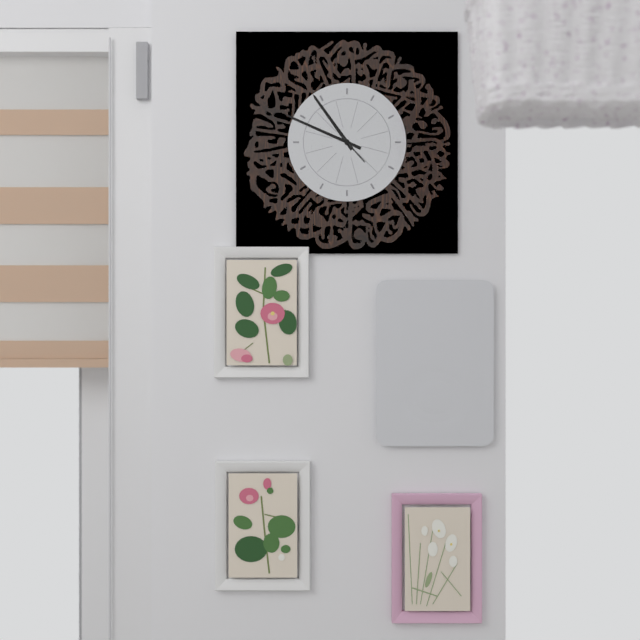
10:49
